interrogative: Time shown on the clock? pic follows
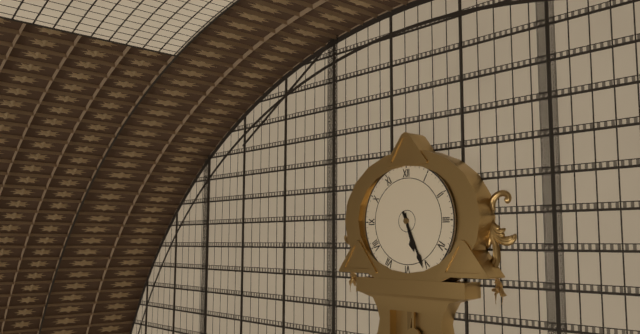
5:26
